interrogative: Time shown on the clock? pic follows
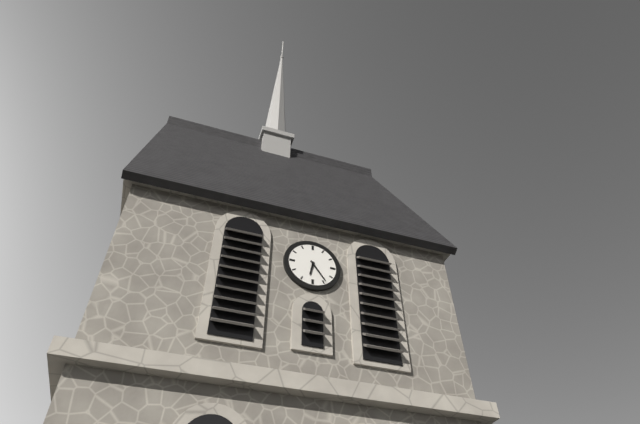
6:24
